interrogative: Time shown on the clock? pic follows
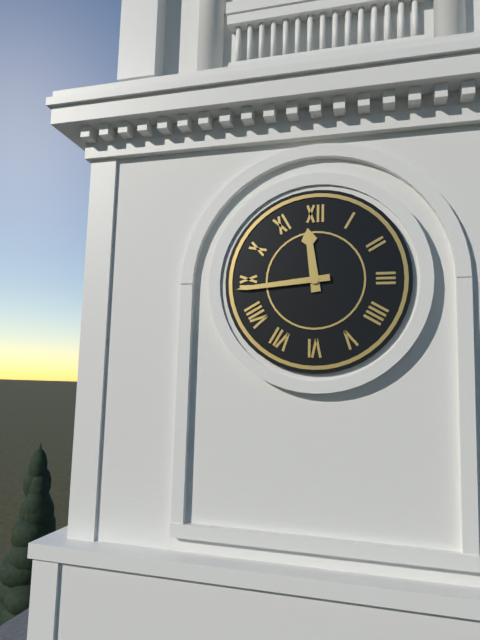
11:44
